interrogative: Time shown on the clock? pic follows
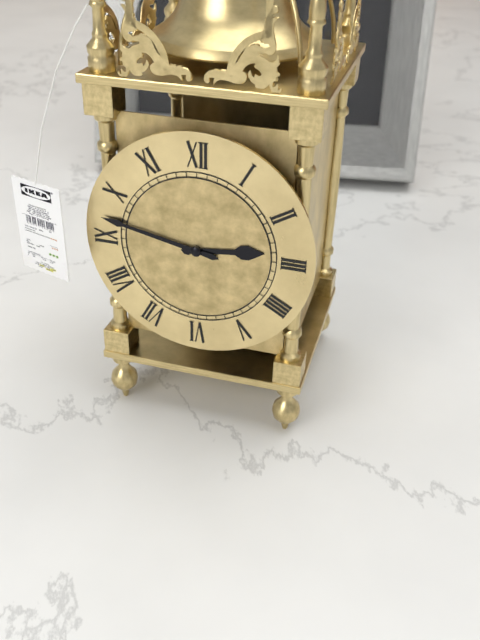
2:47
